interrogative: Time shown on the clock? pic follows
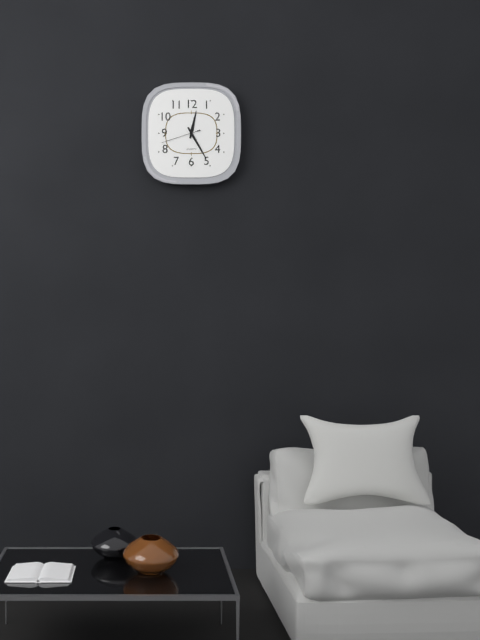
12:25
